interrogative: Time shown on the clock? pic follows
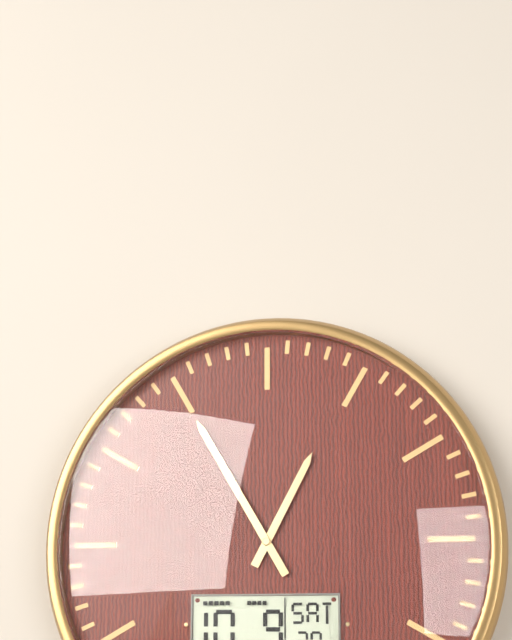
12:55
